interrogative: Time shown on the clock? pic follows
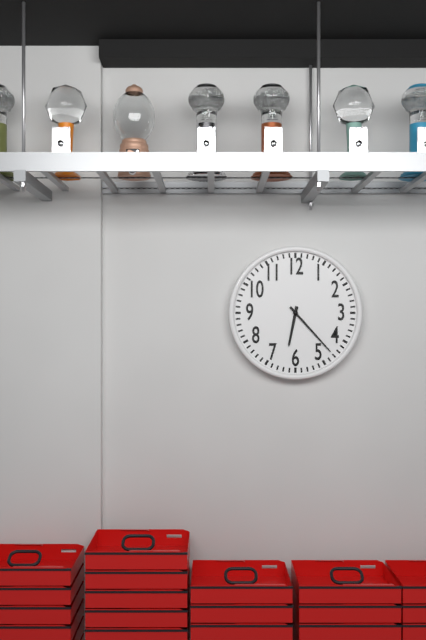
6:23
